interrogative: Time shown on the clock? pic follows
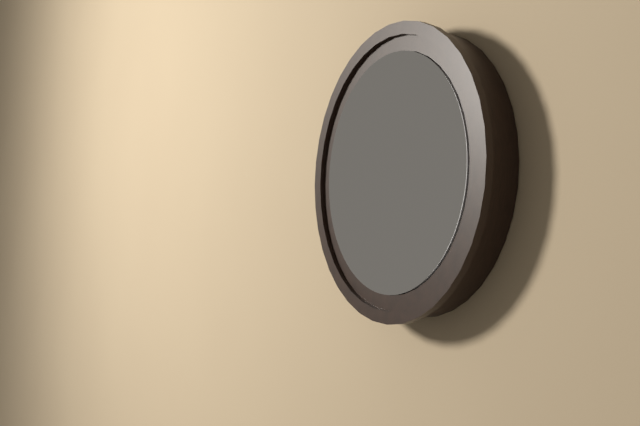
12:08
